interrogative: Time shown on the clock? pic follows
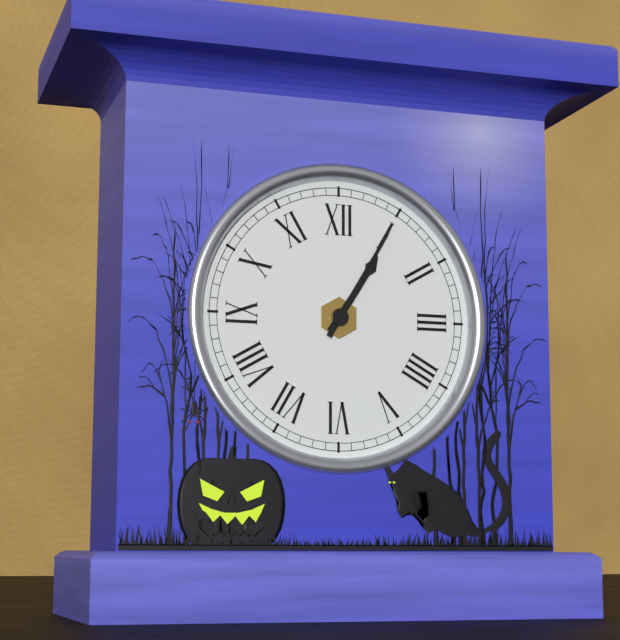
1:05
